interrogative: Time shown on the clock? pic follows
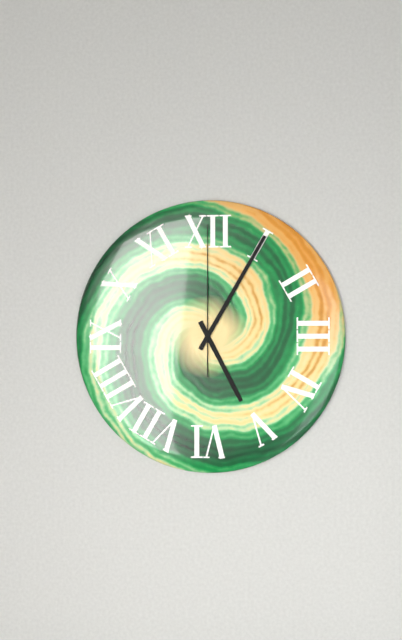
5:05:00
